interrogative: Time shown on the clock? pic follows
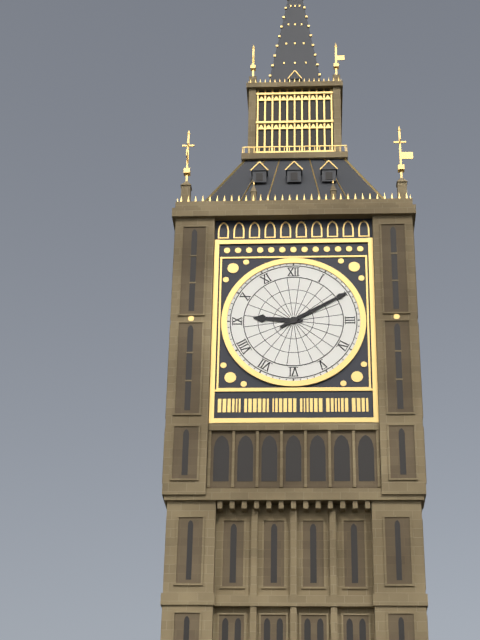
9:10
